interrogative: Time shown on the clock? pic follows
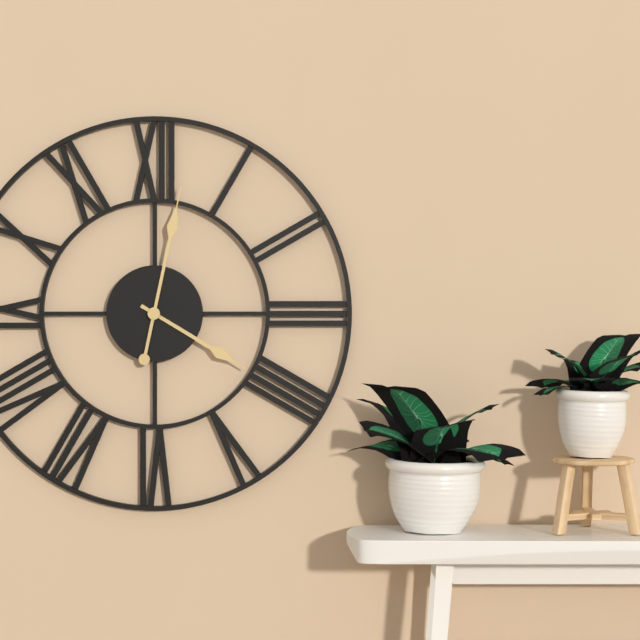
4:02
